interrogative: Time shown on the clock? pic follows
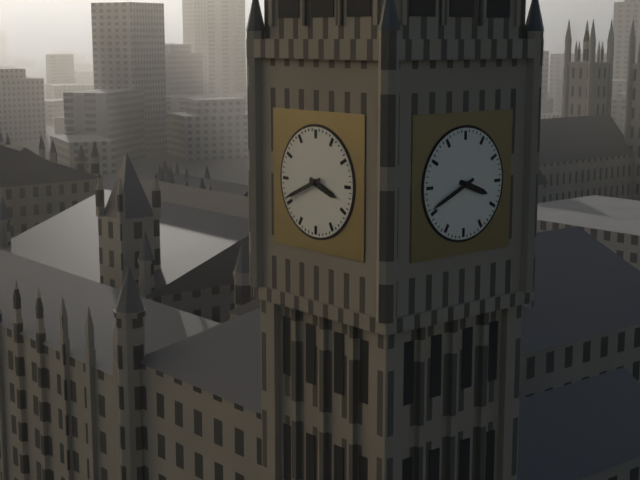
3:41
